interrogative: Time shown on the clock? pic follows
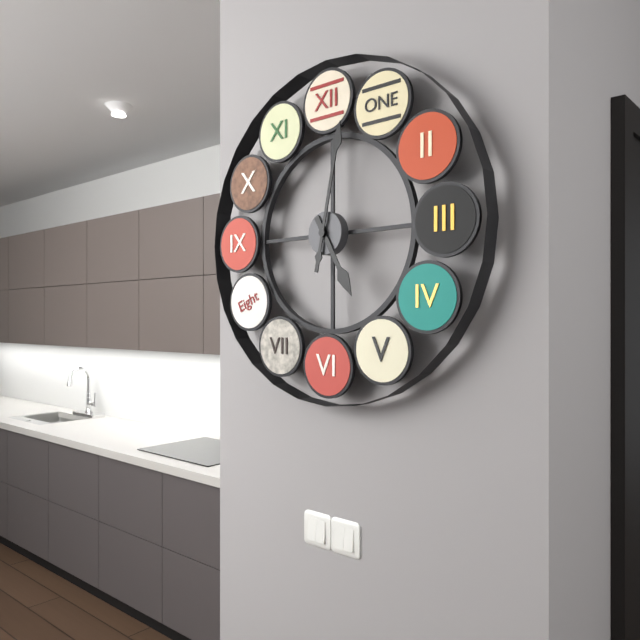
5:02
